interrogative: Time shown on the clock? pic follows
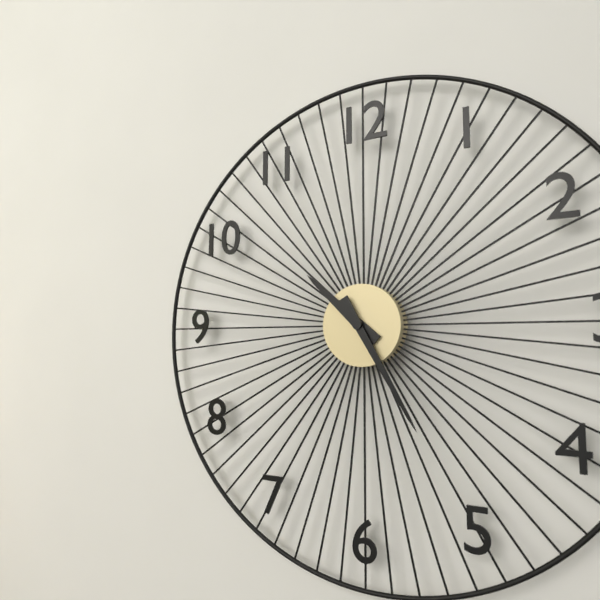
10:25
